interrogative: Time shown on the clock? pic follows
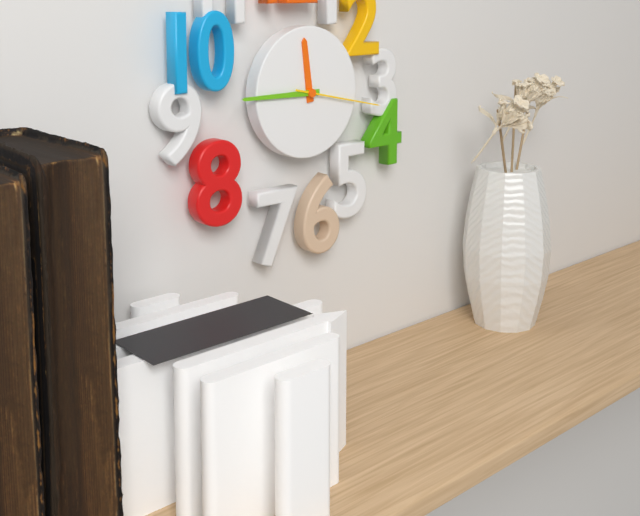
11:45:17
